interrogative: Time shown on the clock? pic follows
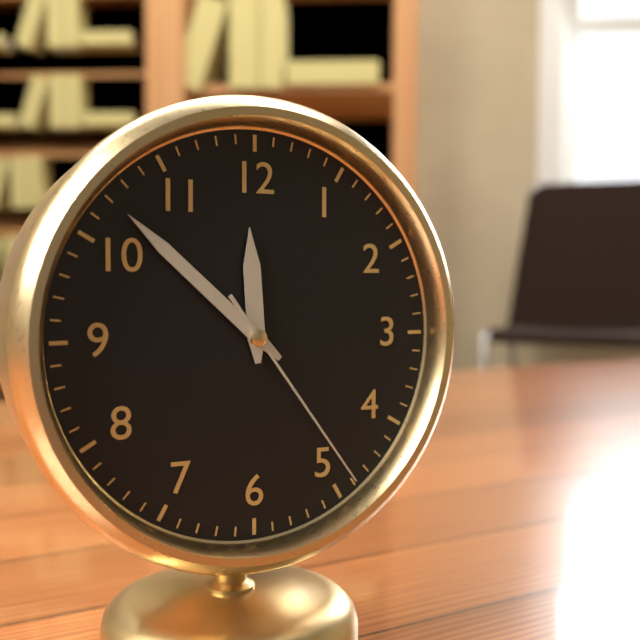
11:52:24
